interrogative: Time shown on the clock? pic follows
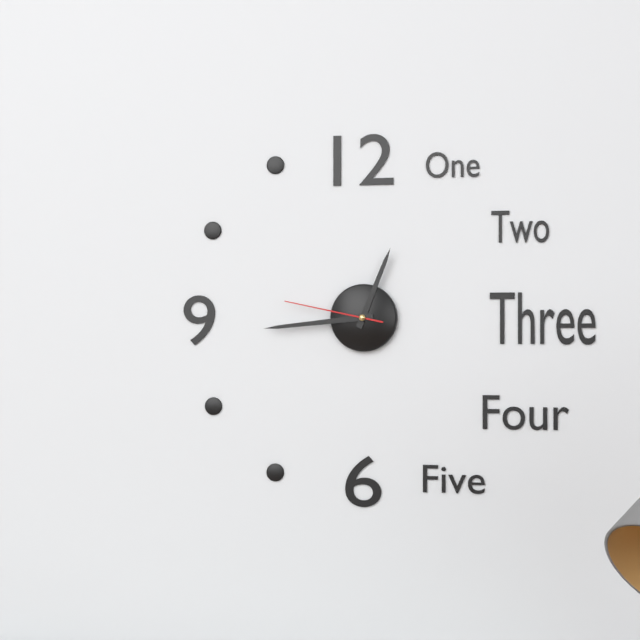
12:44:47
